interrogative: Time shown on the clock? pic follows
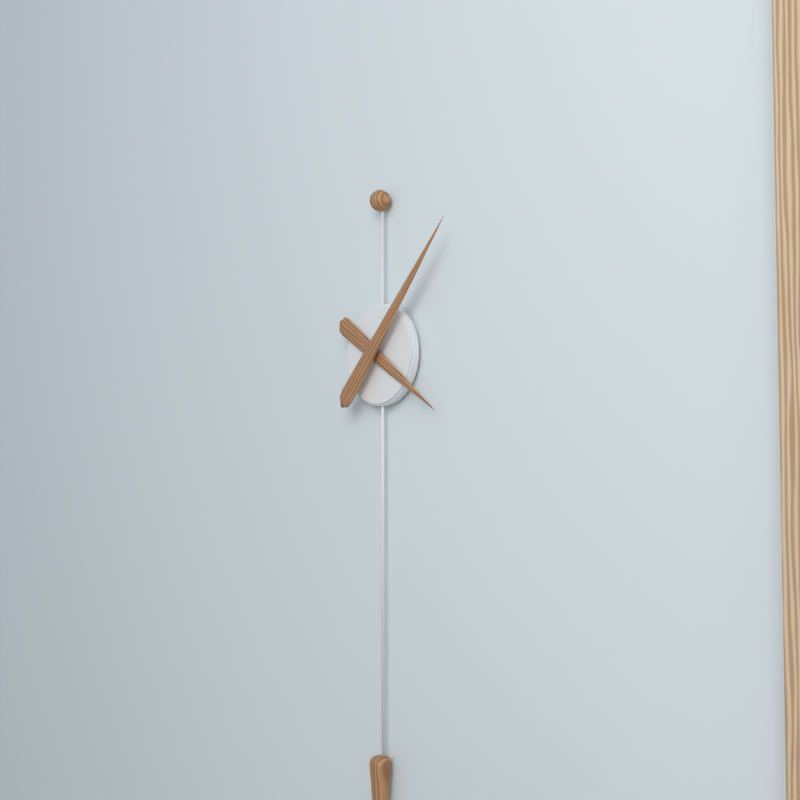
4:07
